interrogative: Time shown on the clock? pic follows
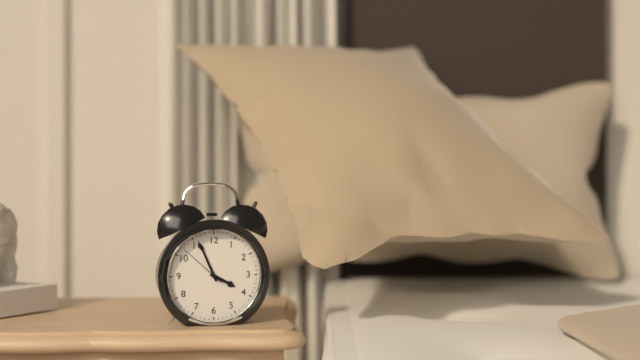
3:56:52
